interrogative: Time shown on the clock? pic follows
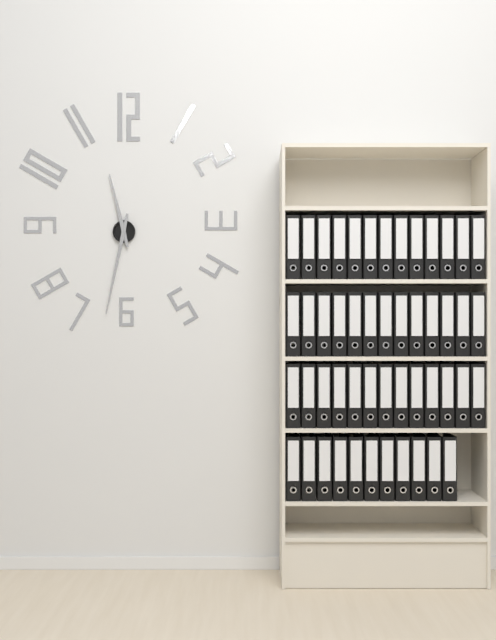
11:32
